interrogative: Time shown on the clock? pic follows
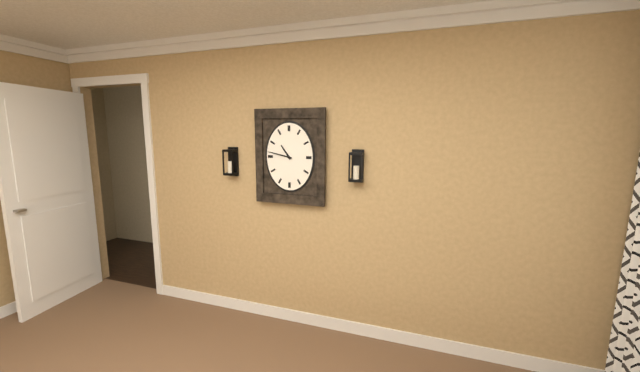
10:47
